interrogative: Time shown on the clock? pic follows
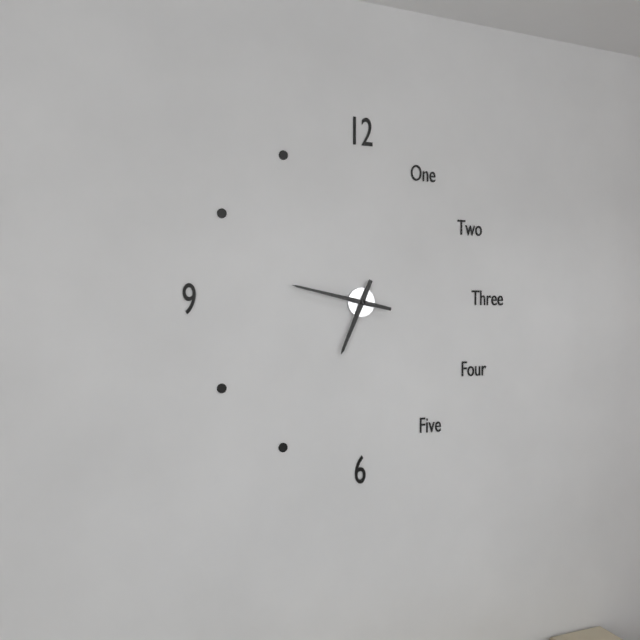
6:47
